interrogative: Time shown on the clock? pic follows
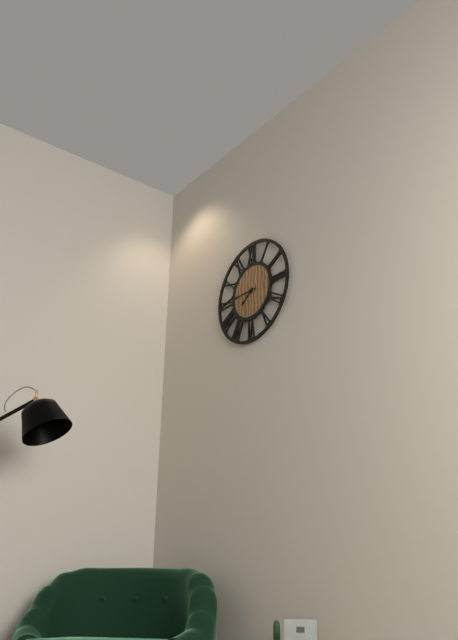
7:45
